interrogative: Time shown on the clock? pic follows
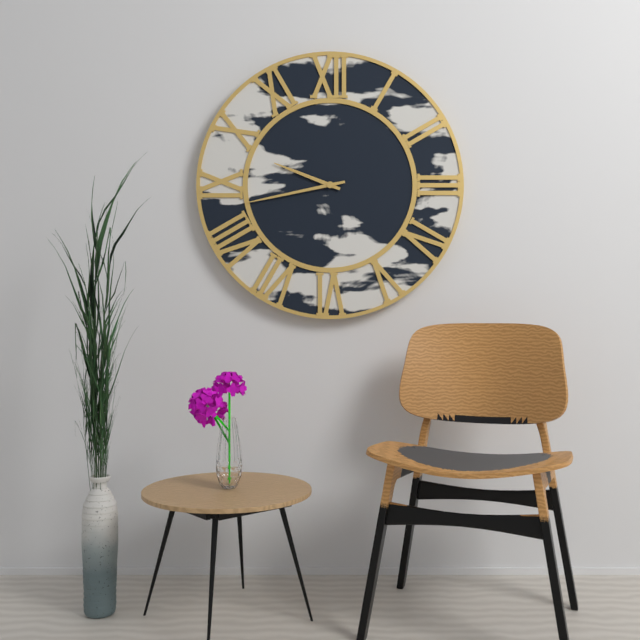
9:43
